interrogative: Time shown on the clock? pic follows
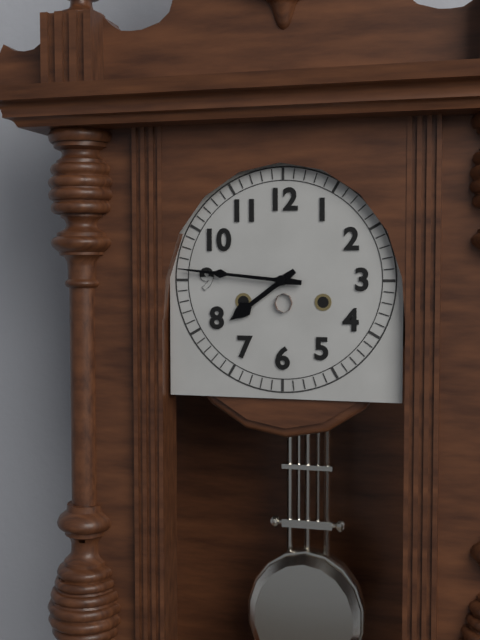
7:46
